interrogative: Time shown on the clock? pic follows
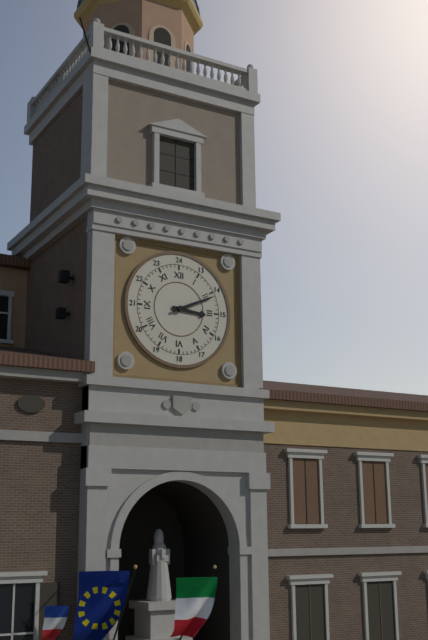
3:11
